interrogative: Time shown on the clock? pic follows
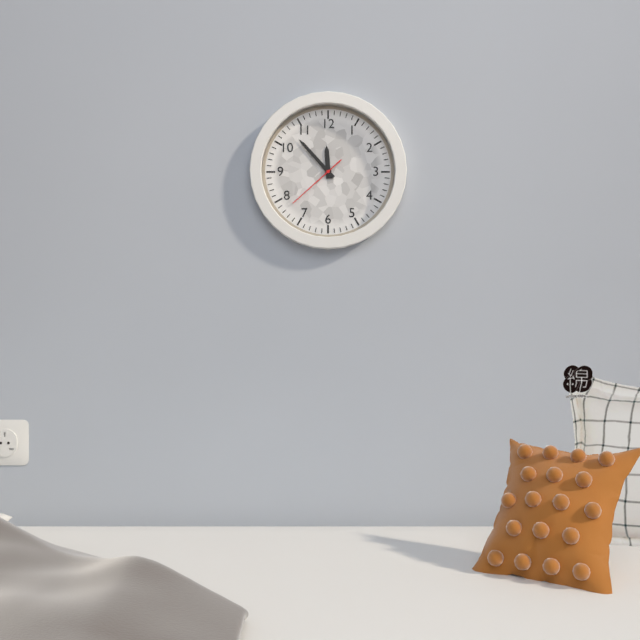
11:53:38
